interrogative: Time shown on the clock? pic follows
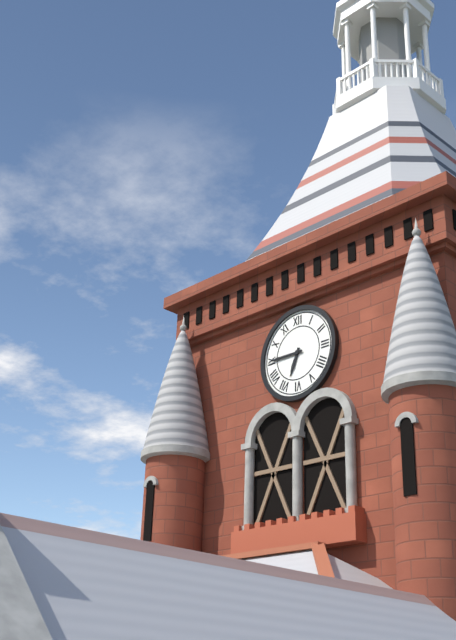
6:45
